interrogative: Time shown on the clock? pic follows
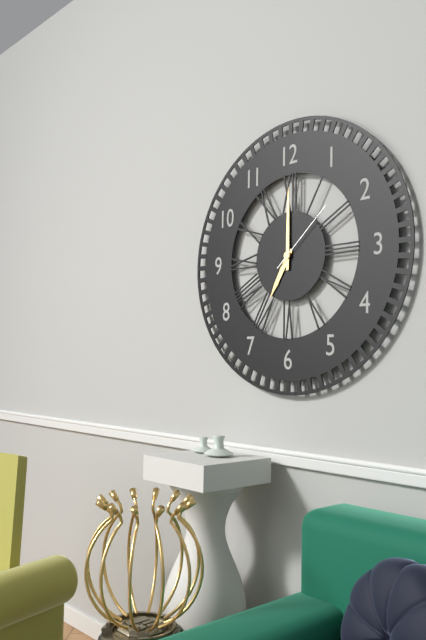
7:00:08
